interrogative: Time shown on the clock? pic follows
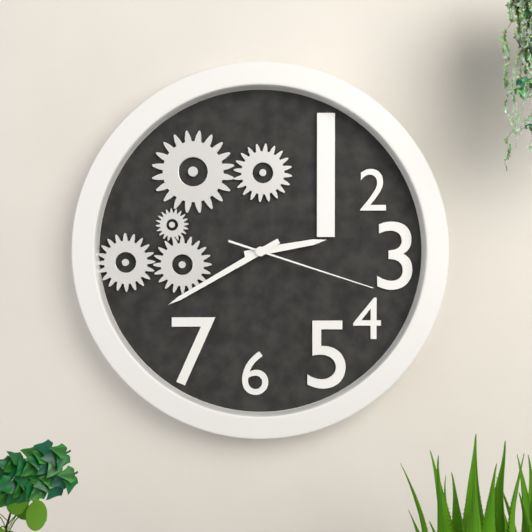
2:40:18
